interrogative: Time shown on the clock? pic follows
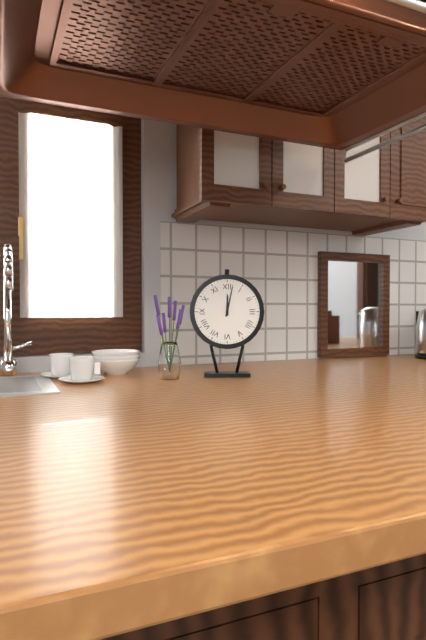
12:02
